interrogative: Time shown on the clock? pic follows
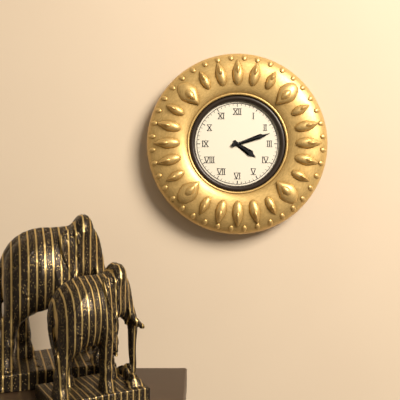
4:12
